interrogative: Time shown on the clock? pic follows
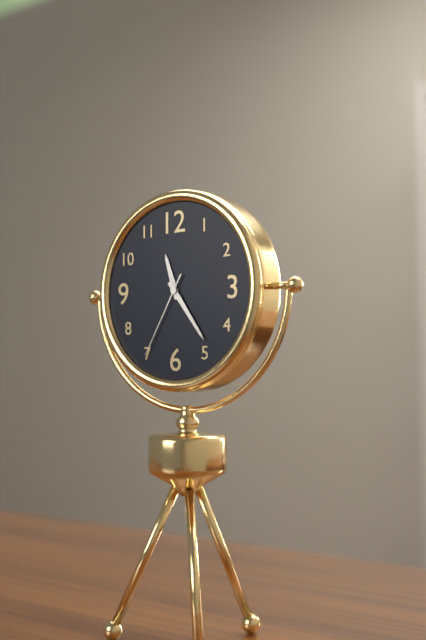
11:24:35
